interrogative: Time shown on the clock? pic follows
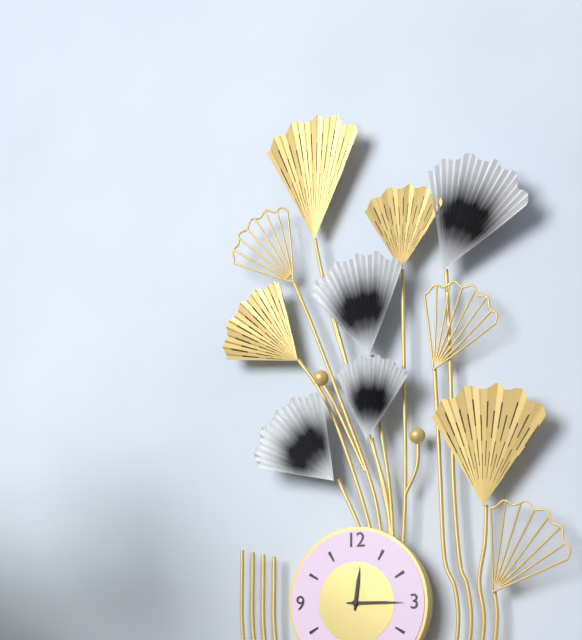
12:15
